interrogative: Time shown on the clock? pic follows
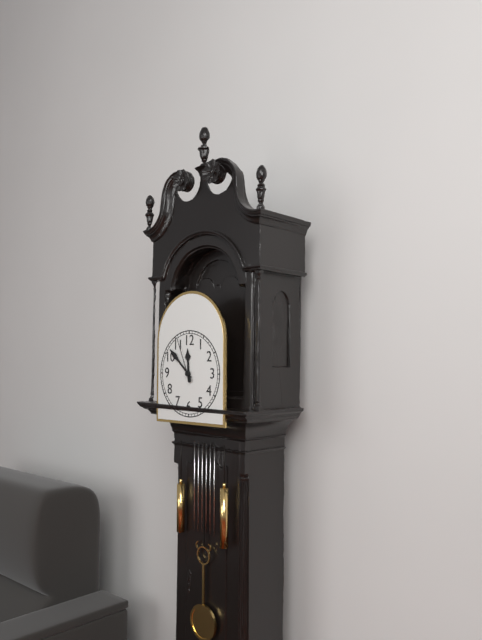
11:52
